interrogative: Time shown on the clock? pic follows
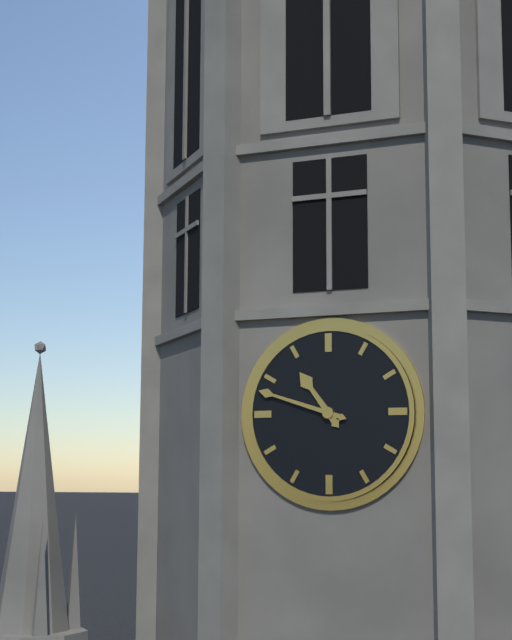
10:48
